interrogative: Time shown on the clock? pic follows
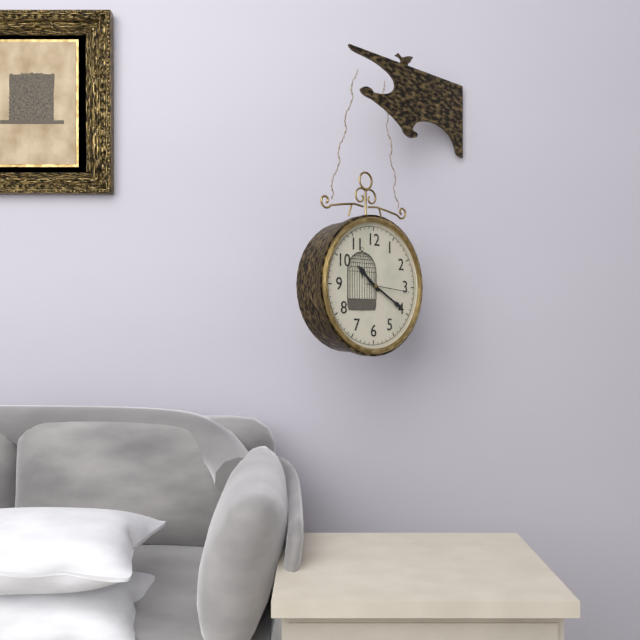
10:20
